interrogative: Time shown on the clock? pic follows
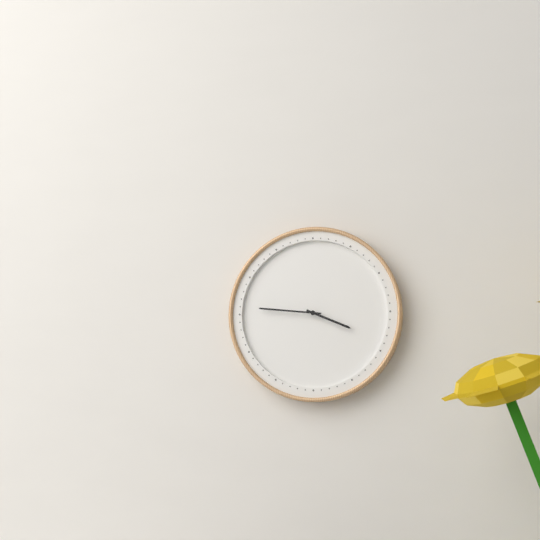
3:46
